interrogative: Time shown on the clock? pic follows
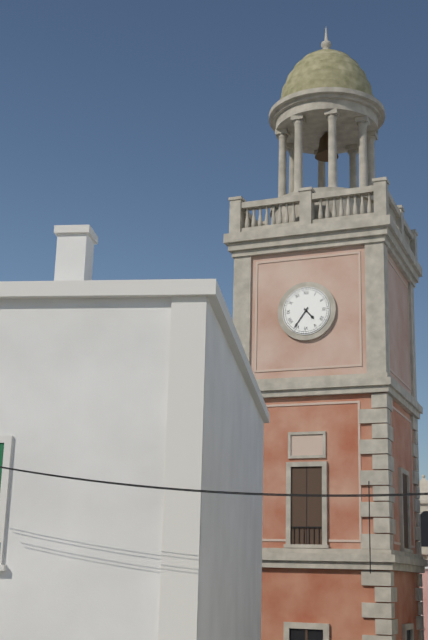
4:36
